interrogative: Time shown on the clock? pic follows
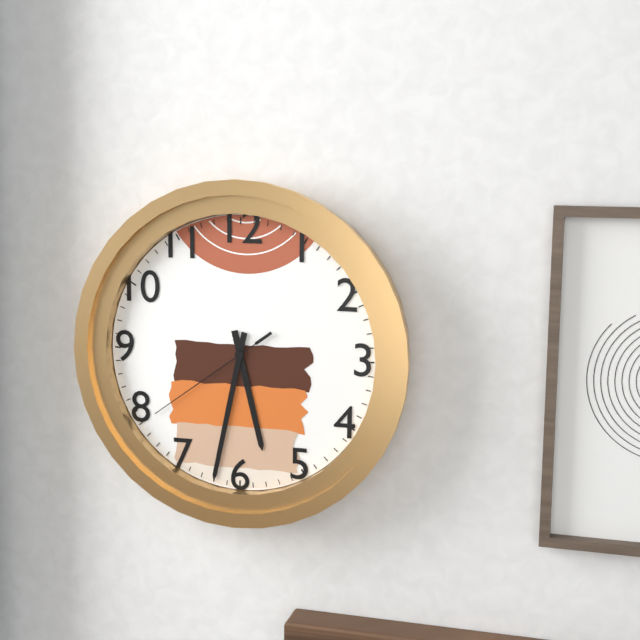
5:32:39
